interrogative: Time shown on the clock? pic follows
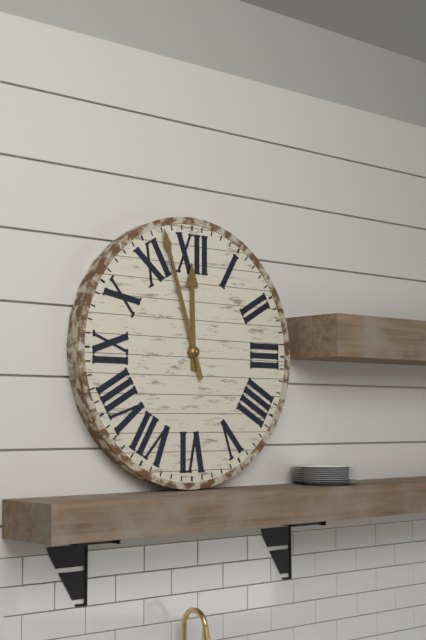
11:57
